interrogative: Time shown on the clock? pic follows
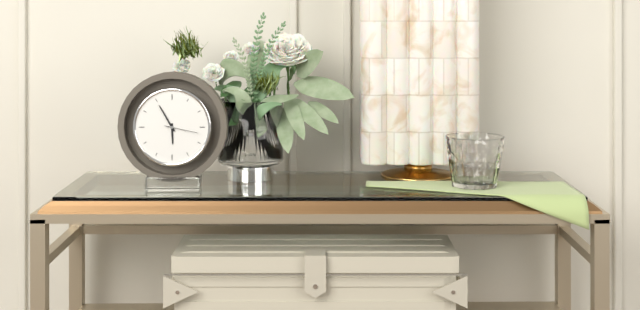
5:55
